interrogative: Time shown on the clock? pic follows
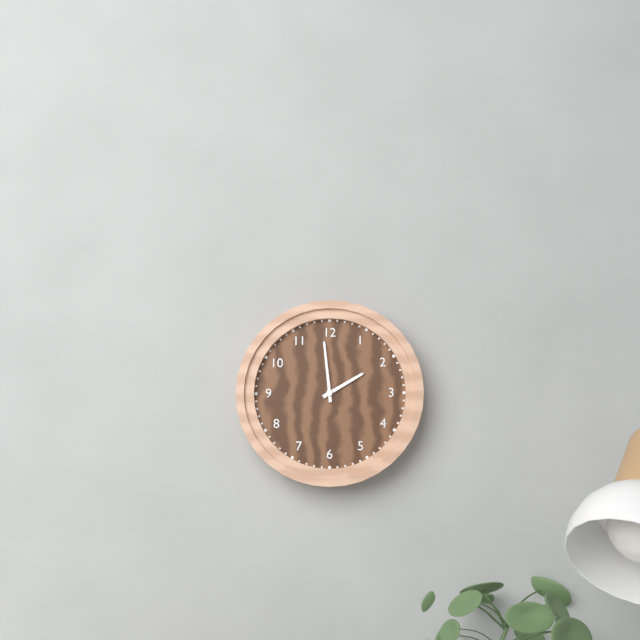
1:59
